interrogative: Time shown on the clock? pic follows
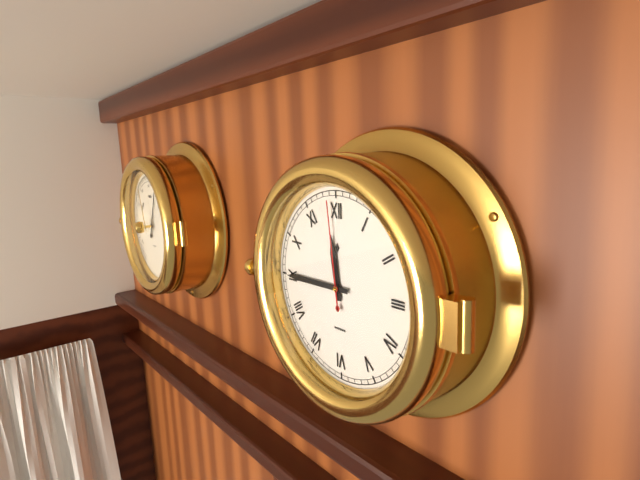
11:45:59
